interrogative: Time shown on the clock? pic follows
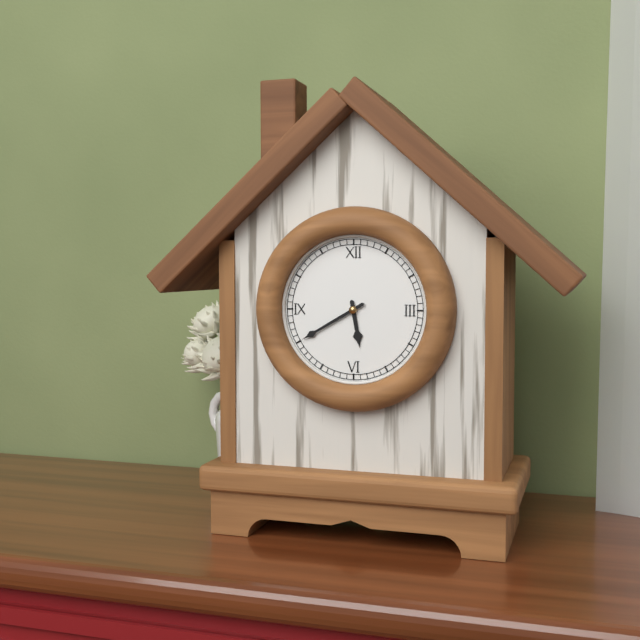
5:40
